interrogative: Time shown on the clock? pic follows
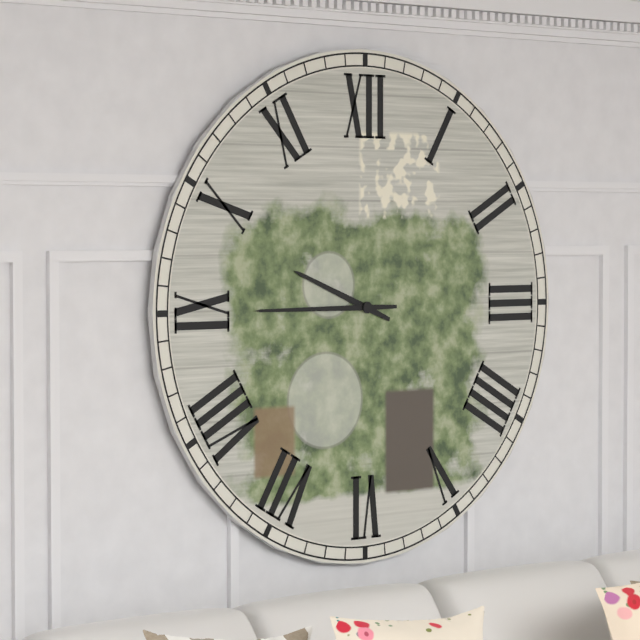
9:45
